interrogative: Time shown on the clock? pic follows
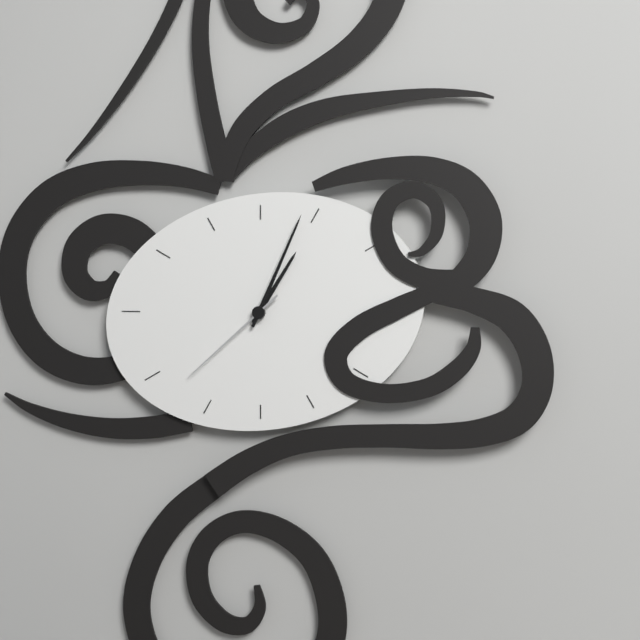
1:04:38
